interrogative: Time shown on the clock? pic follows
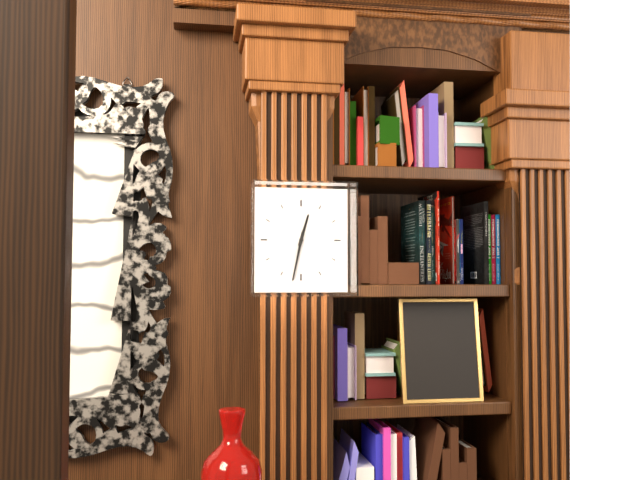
12:32
